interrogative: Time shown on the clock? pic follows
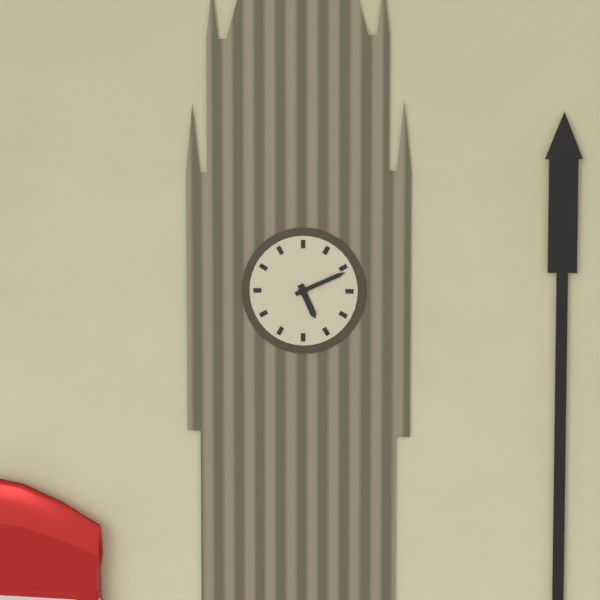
5:11
